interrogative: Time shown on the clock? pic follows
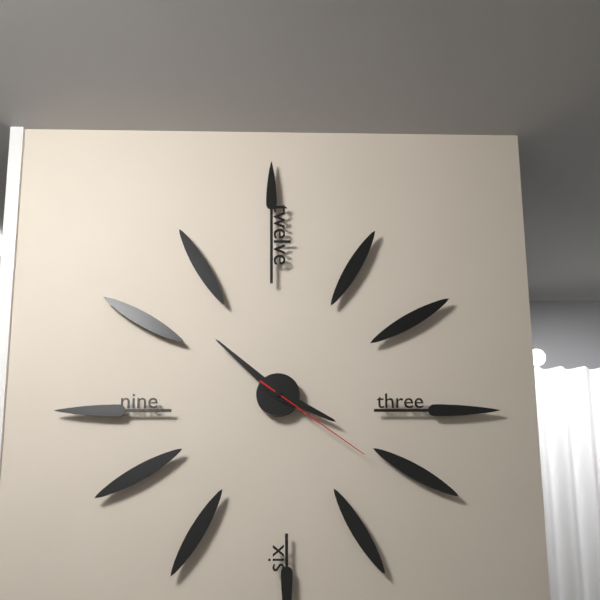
3:52:21
